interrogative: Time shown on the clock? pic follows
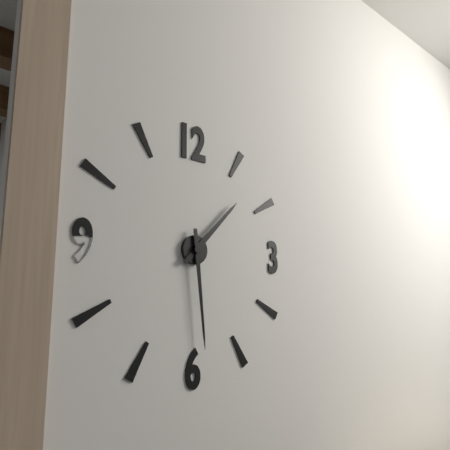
1:29
